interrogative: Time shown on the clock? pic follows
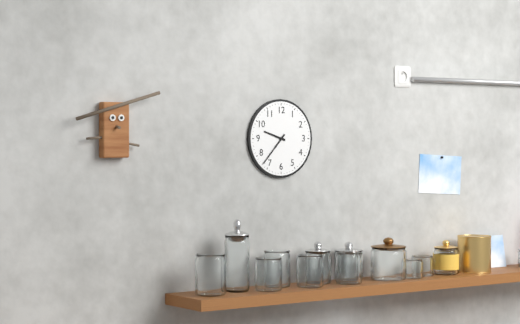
9:37
